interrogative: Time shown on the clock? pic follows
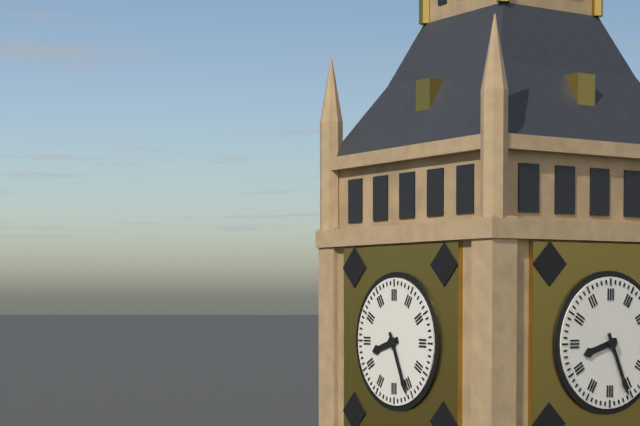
8:26
